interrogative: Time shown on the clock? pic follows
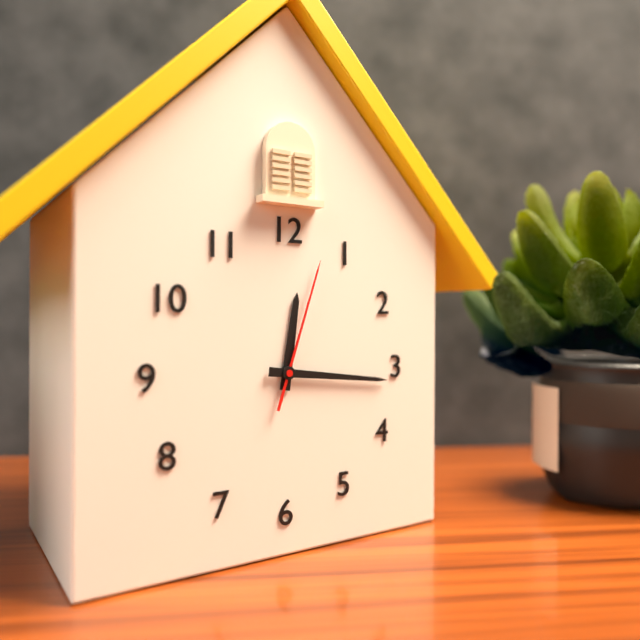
12:16:03
